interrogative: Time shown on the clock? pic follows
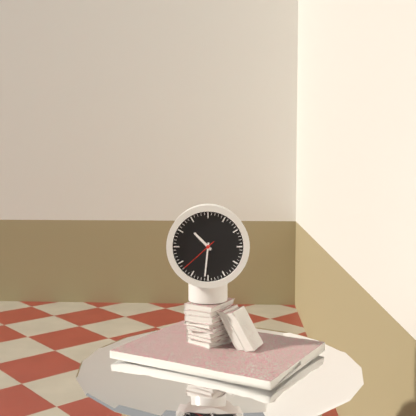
10:31
